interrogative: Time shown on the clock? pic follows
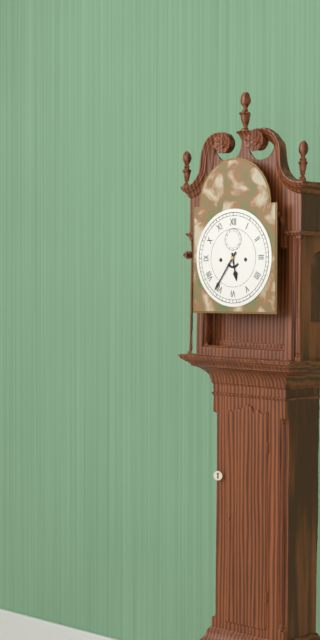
5:36
